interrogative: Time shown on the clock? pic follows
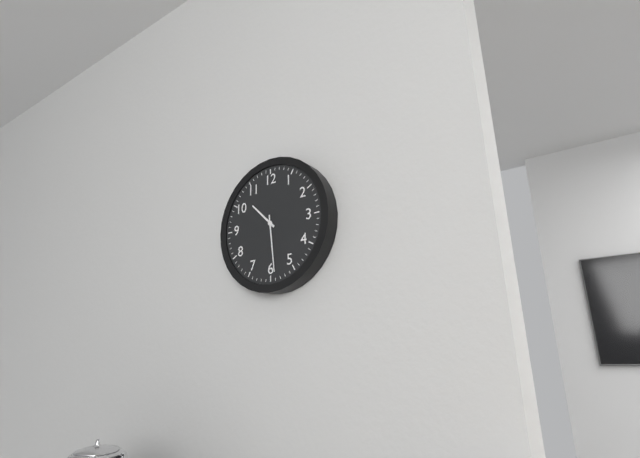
10:29
